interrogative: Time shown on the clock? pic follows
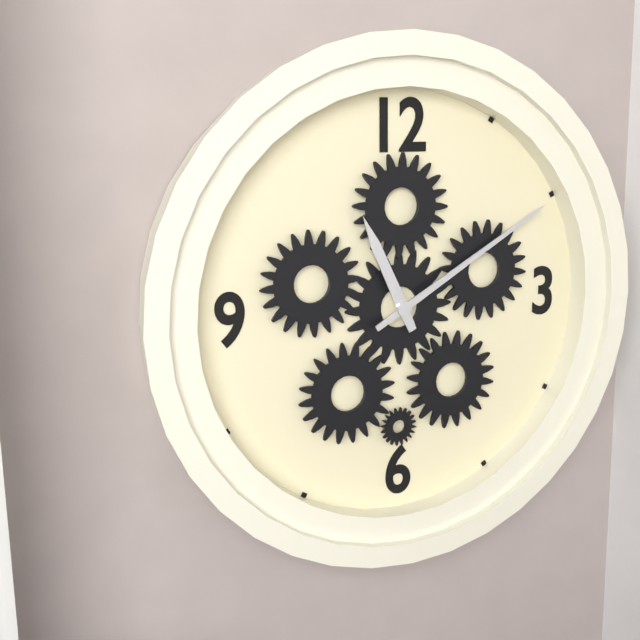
11:10
